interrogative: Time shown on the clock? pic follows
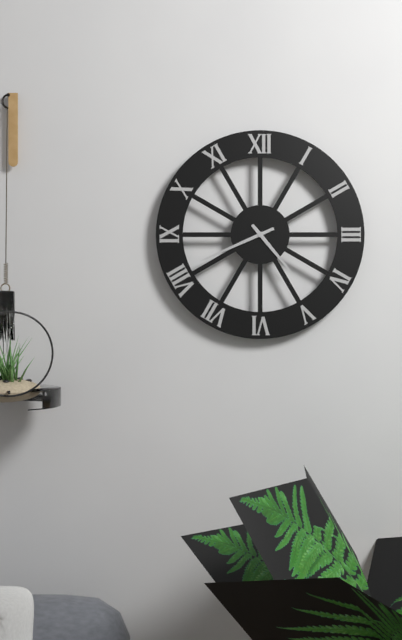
4:41
